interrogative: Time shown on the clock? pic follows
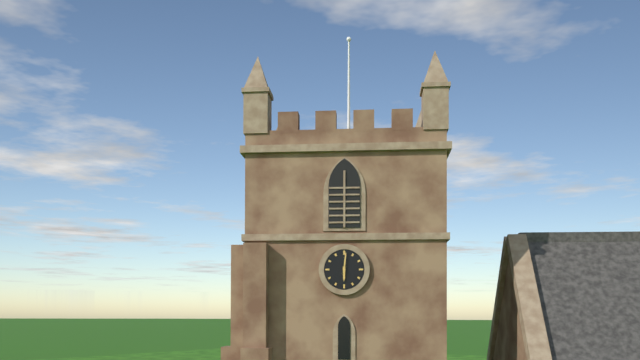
6:01
